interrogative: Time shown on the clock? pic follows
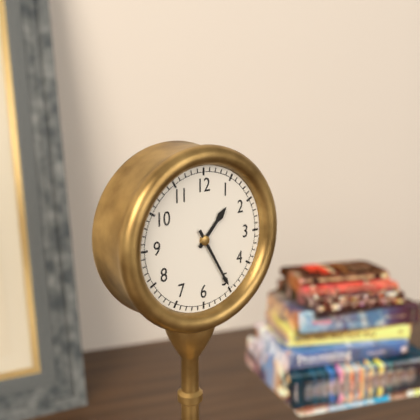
1:25
